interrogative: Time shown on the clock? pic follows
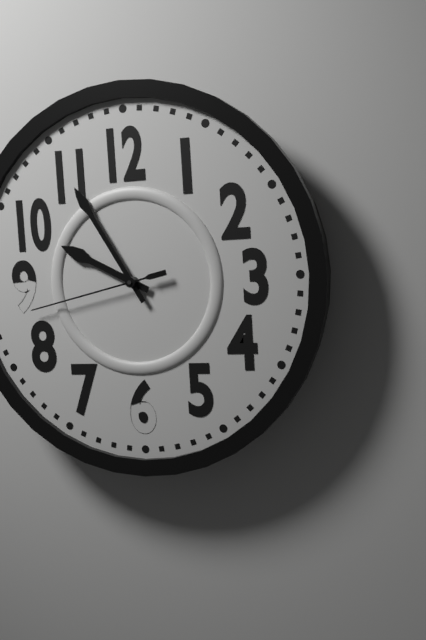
9:55:43
